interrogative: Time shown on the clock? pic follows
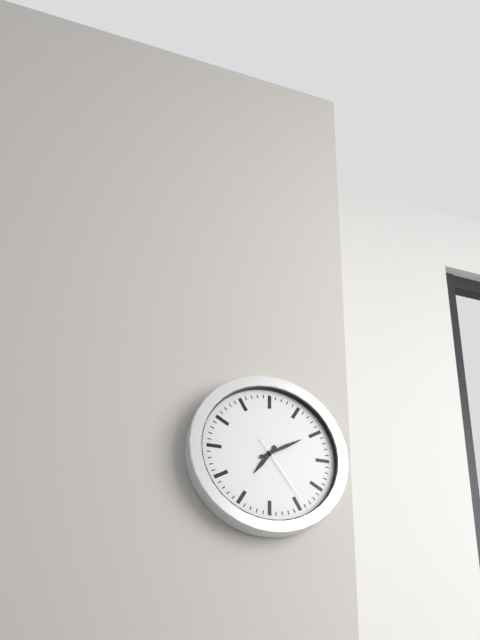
7:10:24
